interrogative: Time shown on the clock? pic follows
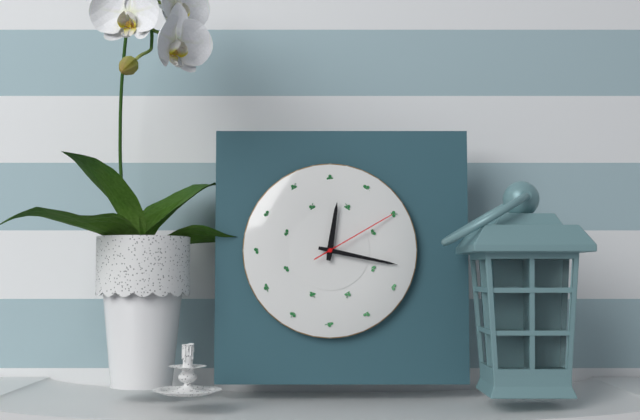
12:17:10
